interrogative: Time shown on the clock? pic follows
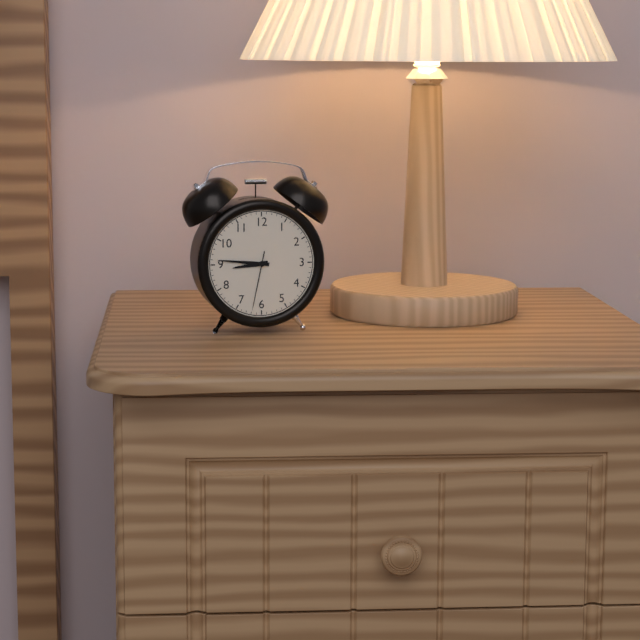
8:46:32
